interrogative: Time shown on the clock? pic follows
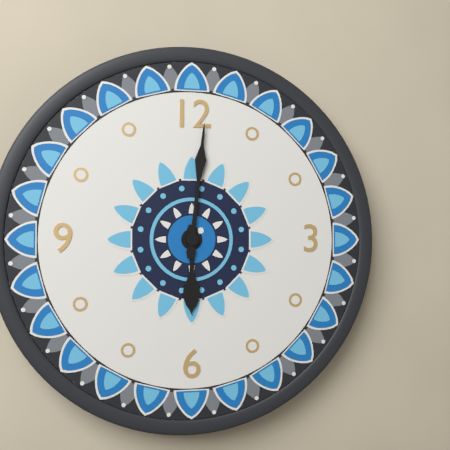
6:01
